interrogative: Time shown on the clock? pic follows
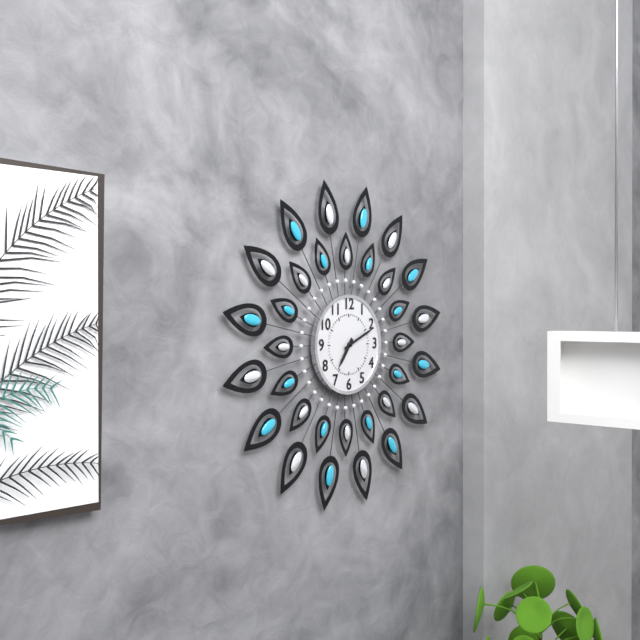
7:11
